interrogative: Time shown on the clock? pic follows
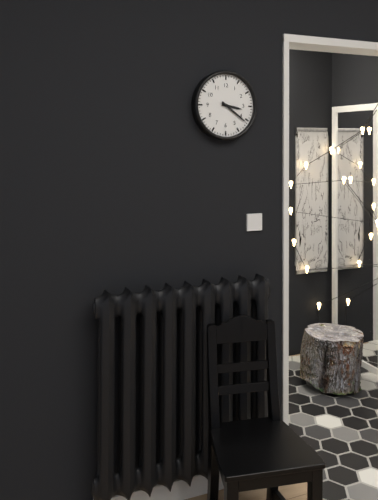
3:21
